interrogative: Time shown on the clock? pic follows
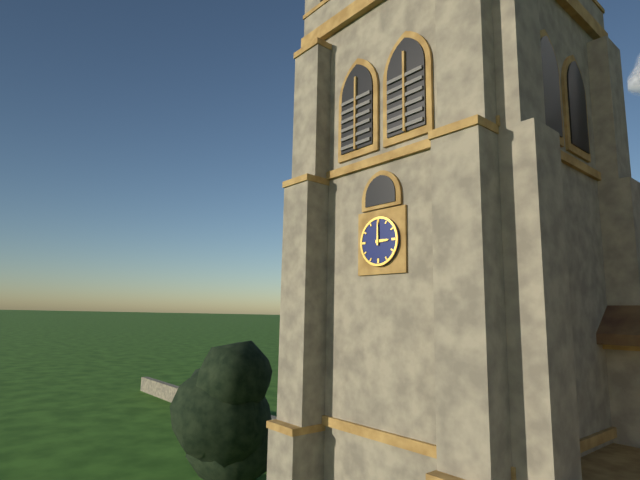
3:00
